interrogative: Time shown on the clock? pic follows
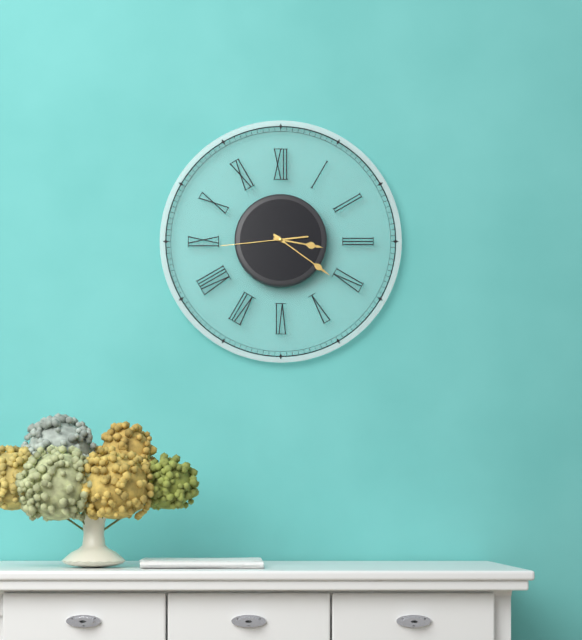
3:21:44
